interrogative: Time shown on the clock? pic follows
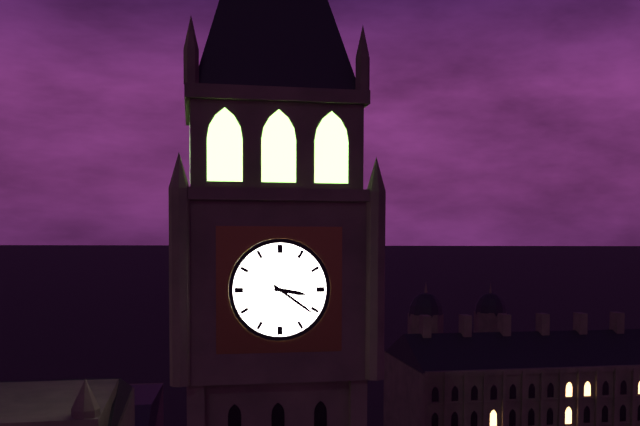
3:21
